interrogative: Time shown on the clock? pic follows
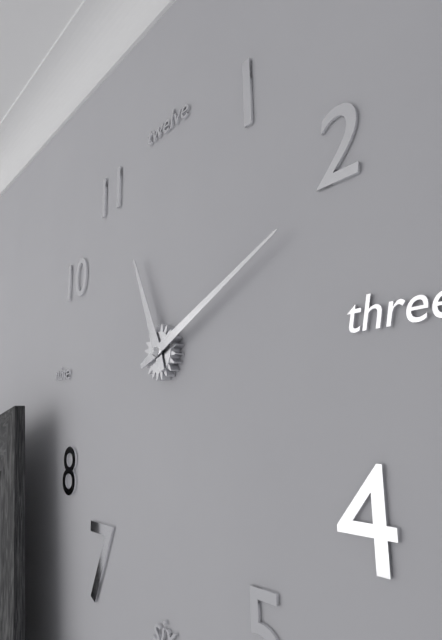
11:11
